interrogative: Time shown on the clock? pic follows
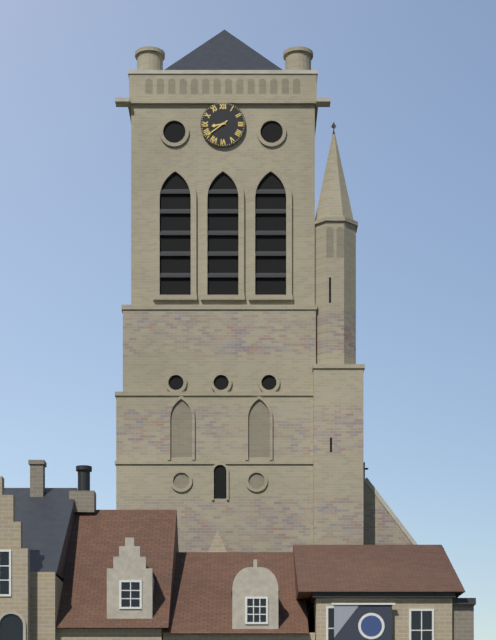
8:39
